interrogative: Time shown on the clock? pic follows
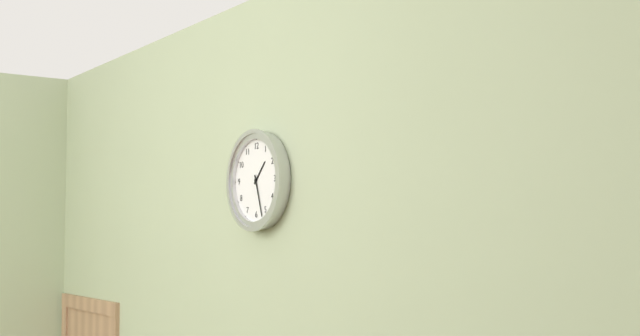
1:27
